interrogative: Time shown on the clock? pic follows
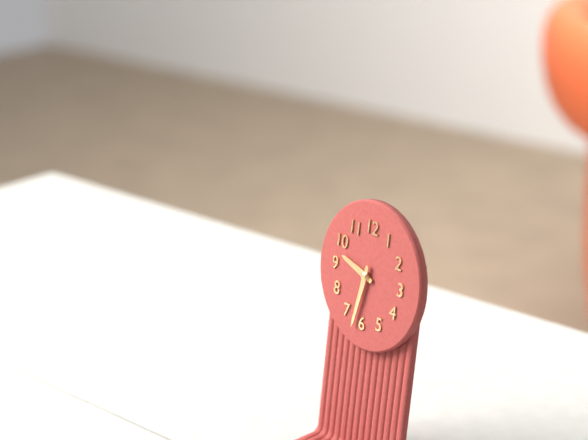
9:32
